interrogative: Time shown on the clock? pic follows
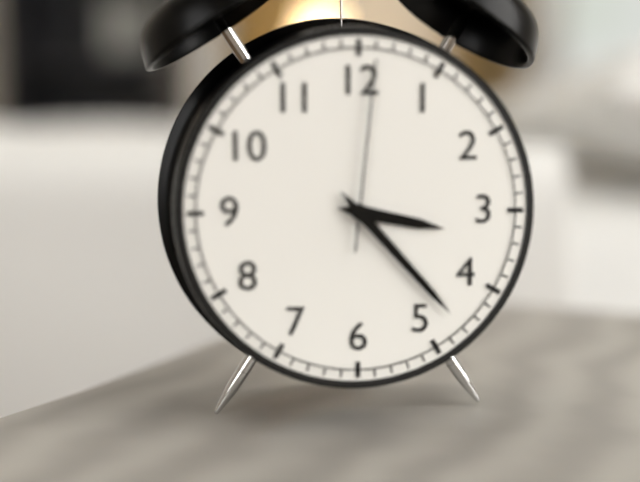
3:23:01
